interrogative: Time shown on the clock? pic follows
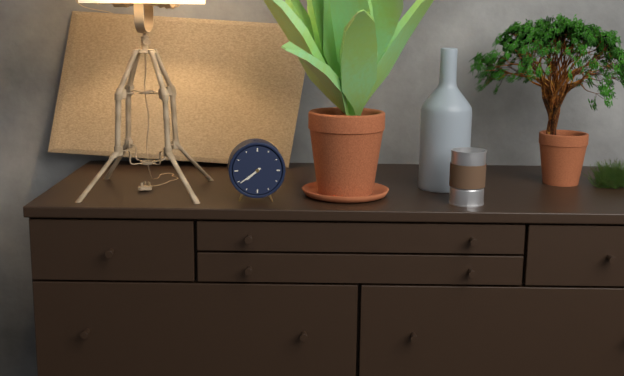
7:39
